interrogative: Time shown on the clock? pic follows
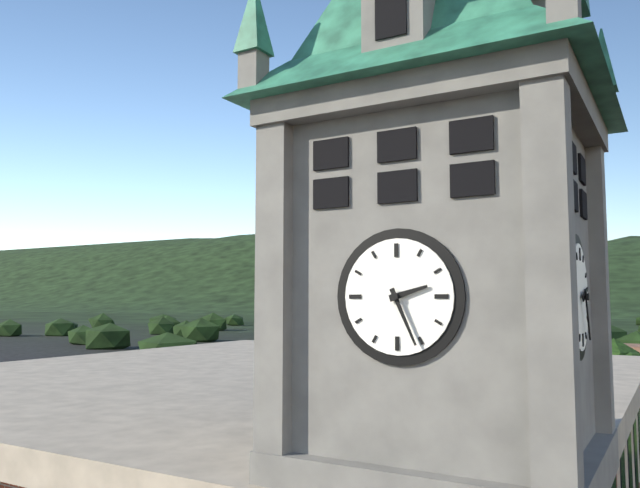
2:26
